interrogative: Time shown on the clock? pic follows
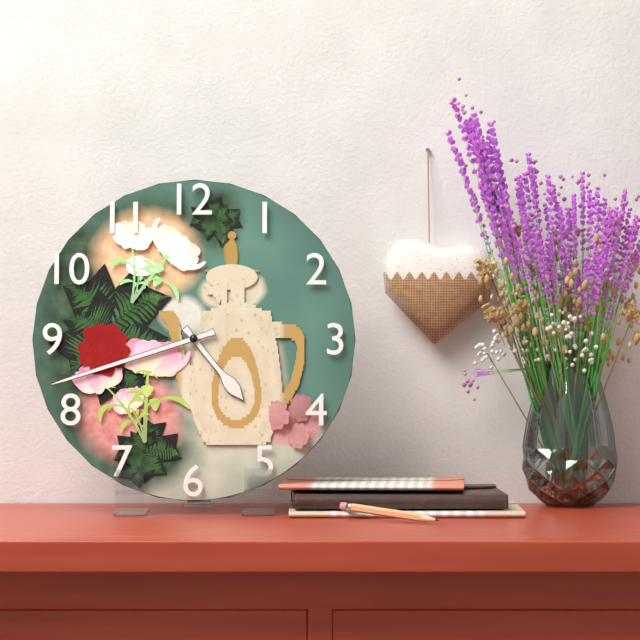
4:42
